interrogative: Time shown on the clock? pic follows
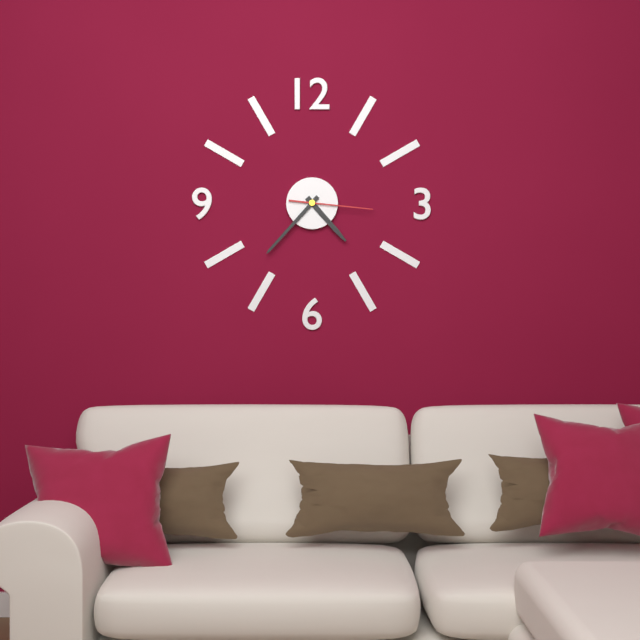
4:37:16
